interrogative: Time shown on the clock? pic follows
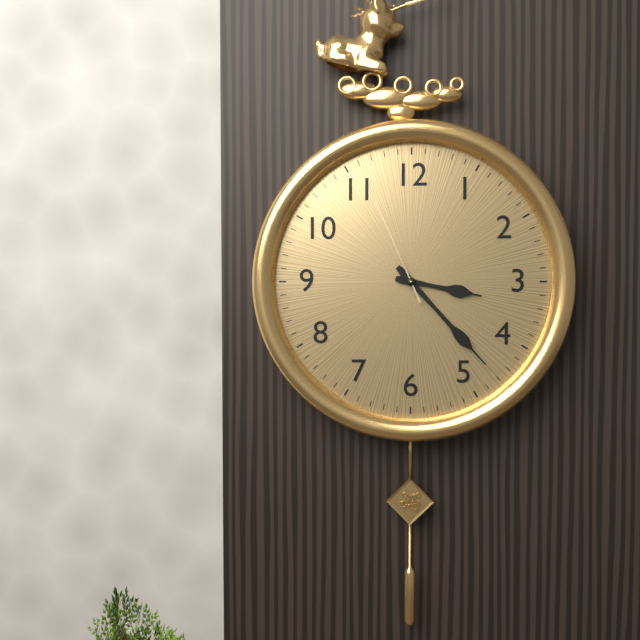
3:23:56
